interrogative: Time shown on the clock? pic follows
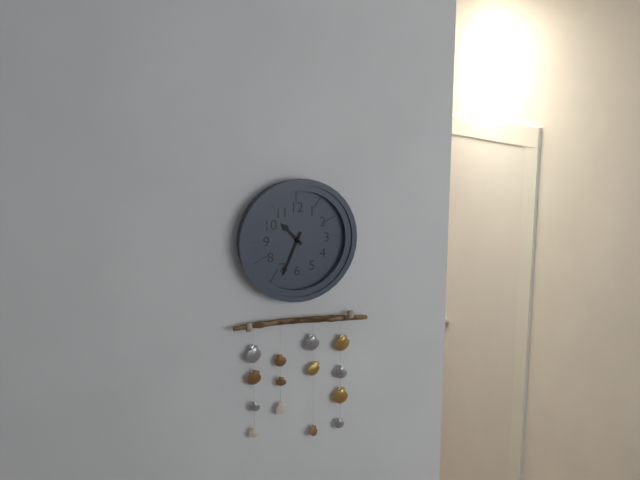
10:34
